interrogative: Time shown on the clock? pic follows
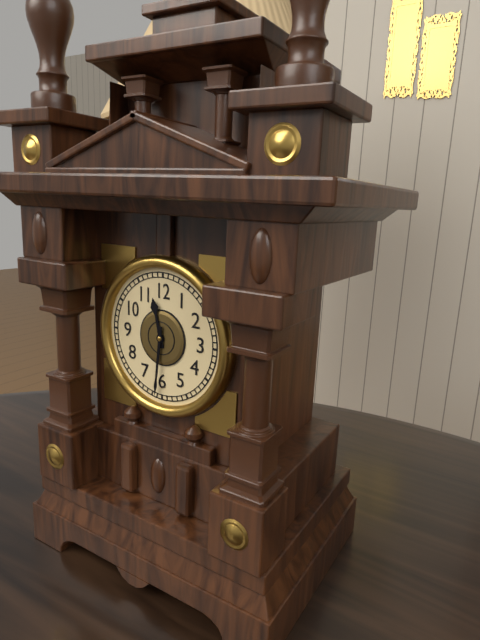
11:31
